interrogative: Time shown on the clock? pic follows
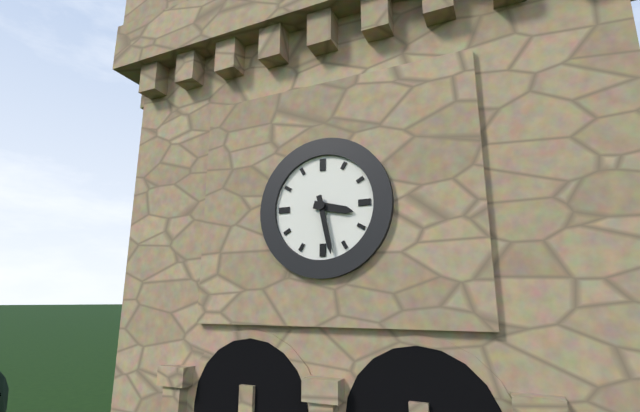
3:28
